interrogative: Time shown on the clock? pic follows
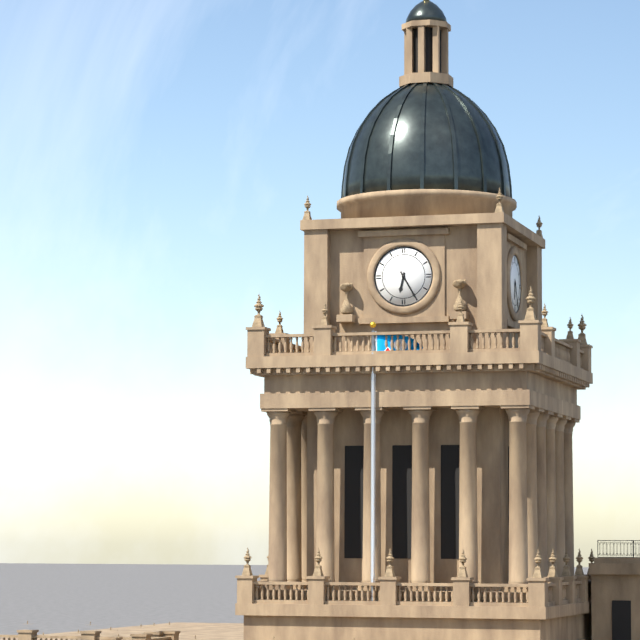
6:25
